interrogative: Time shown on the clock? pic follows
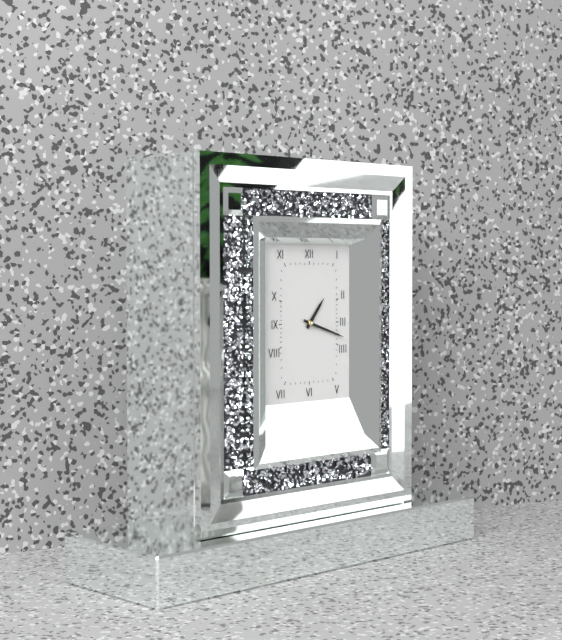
1:18
